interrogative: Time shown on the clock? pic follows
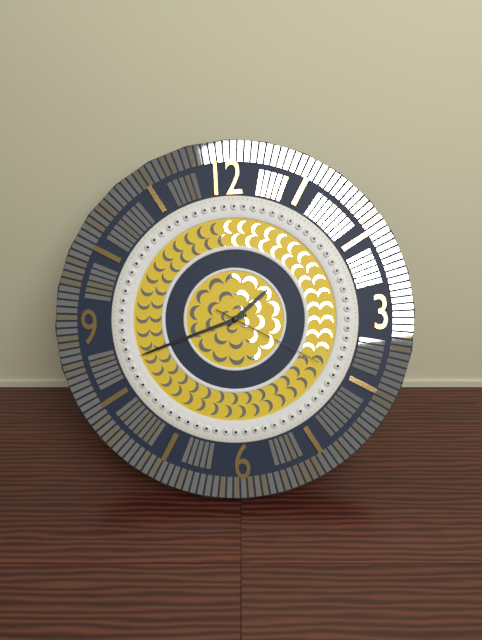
1:42:20
